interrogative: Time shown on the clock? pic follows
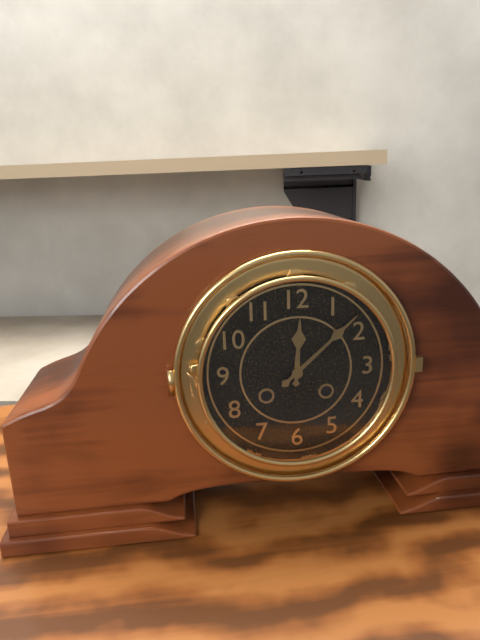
12:08
